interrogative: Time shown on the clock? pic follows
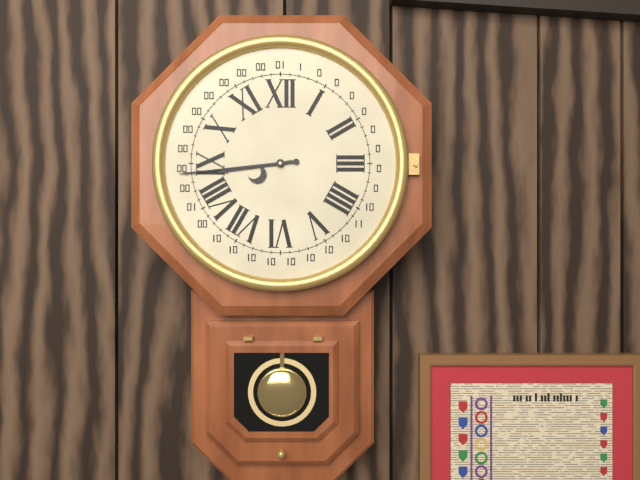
8:44
